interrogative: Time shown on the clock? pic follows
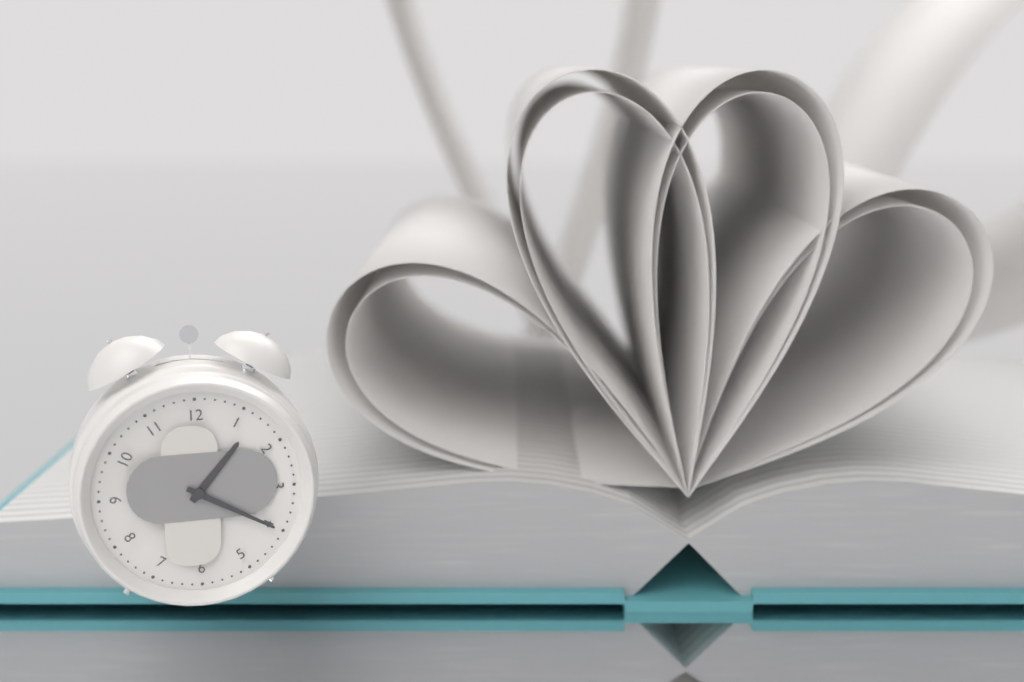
1:20
